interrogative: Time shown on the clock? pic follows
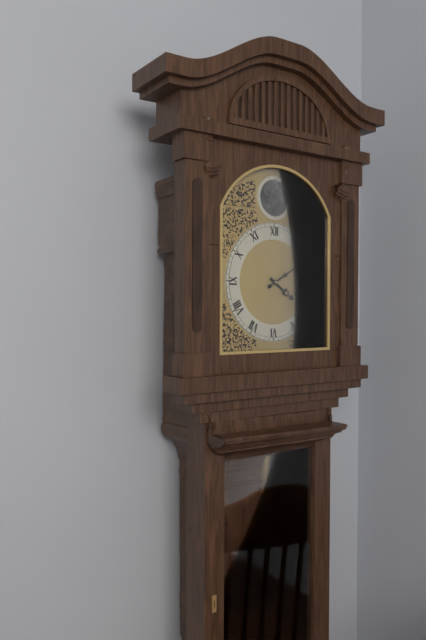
4:10
